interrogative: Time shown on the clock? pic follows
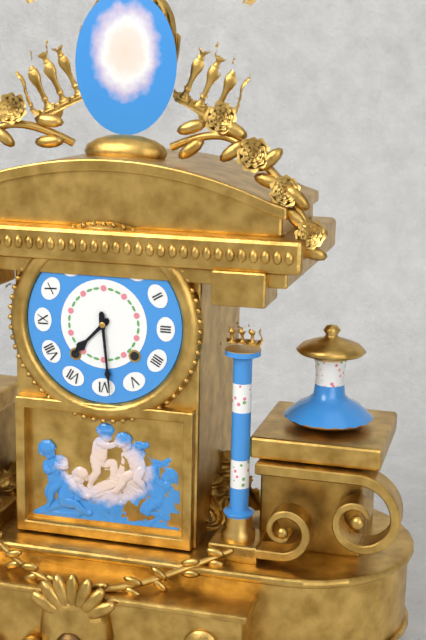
7:29
